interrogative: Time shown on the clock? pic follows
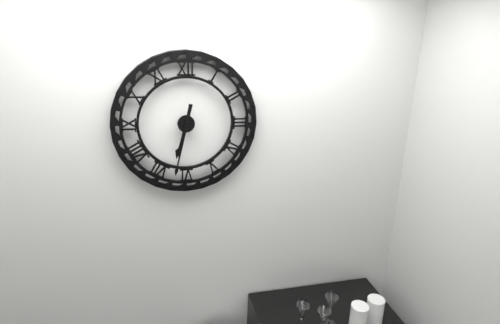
6:32
